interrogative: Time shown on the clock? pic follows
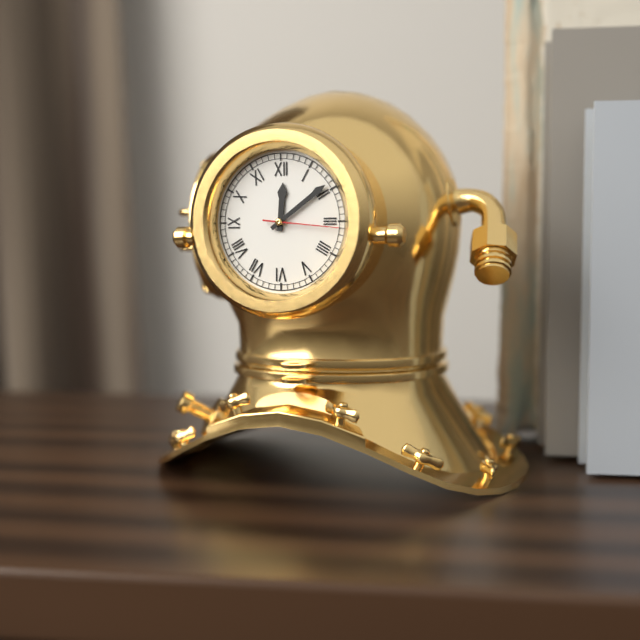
12:09:16
